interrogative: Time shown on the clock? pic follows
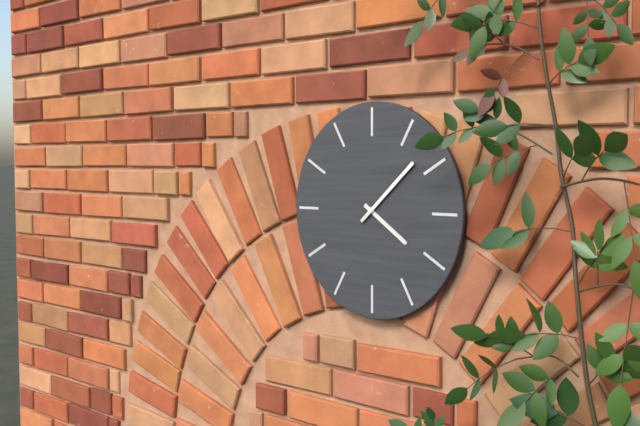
4:08
